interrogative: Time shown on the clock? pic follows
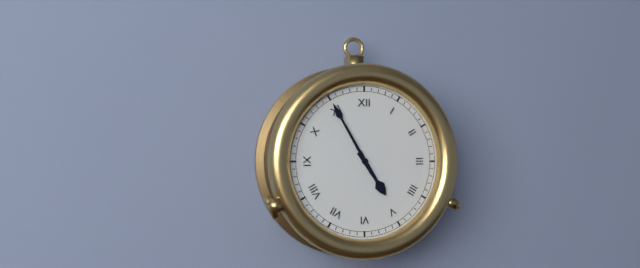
4:55
